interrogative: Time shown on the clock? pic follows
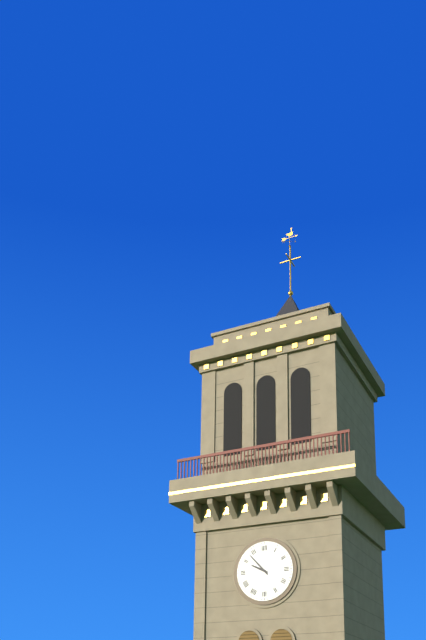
9:53
